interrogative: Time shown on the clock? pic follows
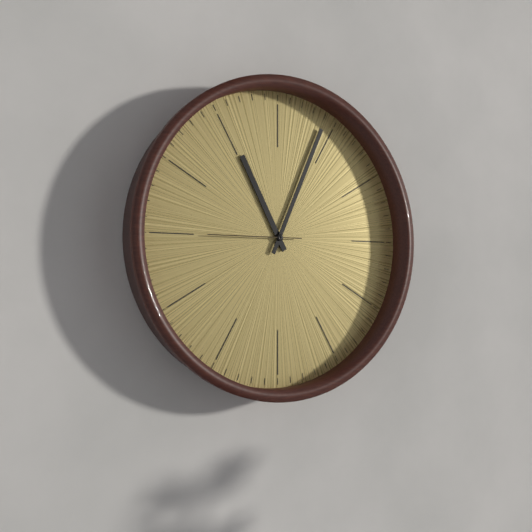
11:04:45
